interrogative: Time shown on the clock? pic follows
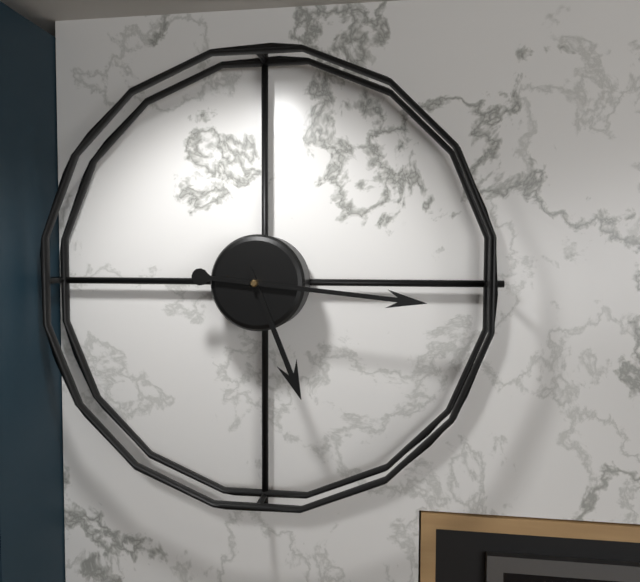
5:16
